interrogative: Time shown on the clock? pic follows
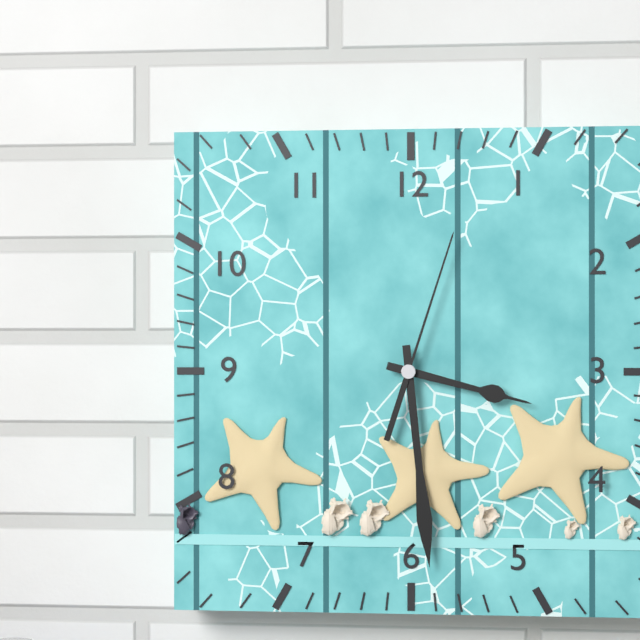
3:29:03
